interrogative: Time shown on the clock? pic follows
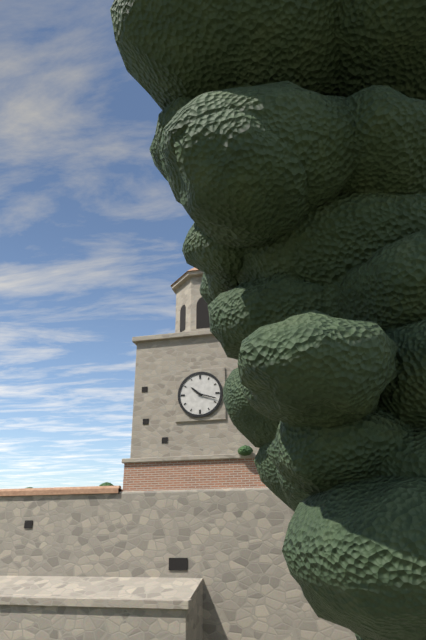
10:18
